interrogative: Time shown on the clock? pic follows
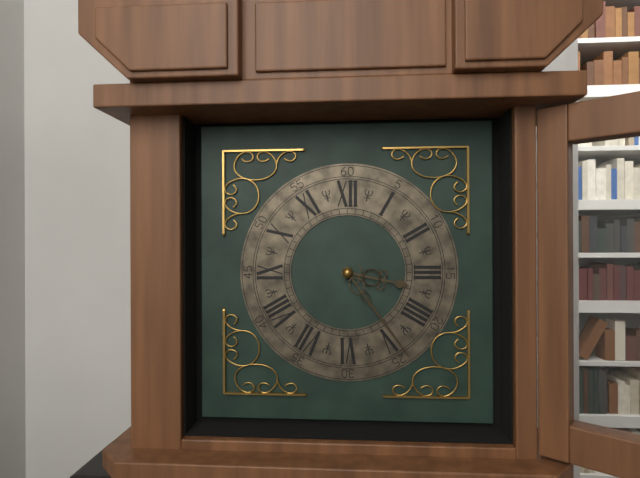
3:24
